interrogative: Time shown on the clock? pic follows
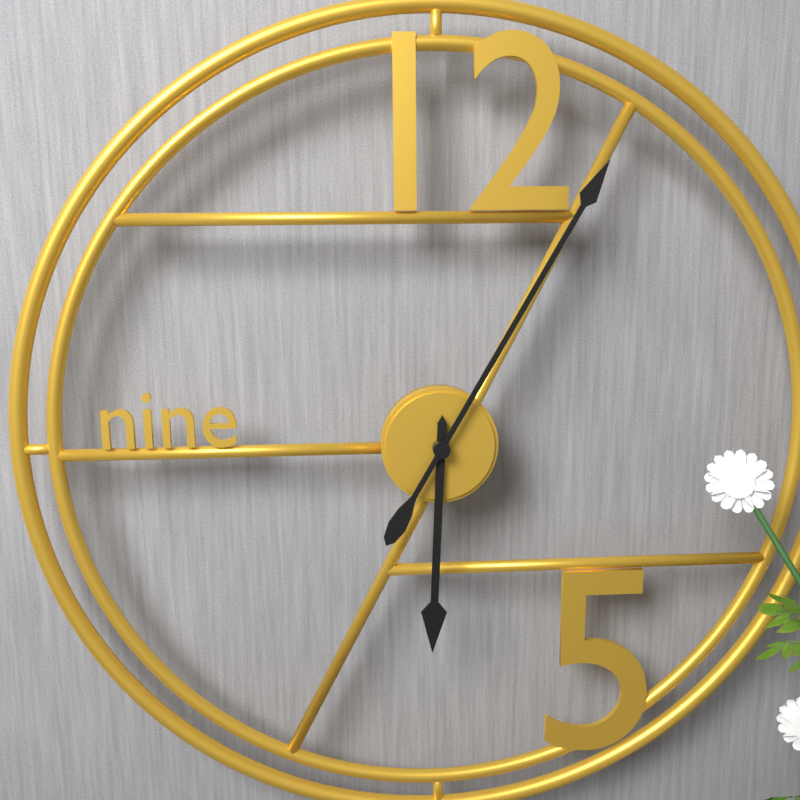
6:05
